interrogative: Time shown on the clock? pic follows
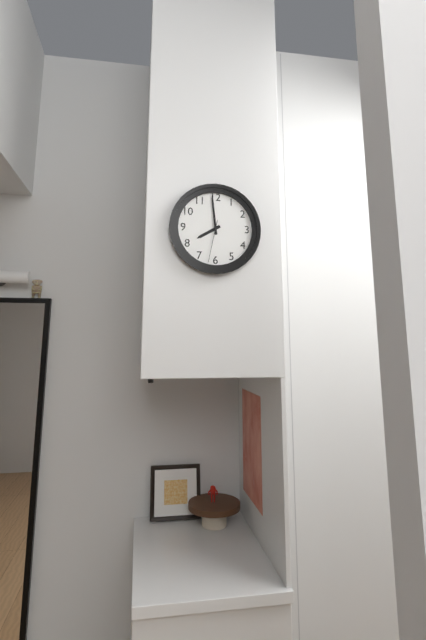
7:59
